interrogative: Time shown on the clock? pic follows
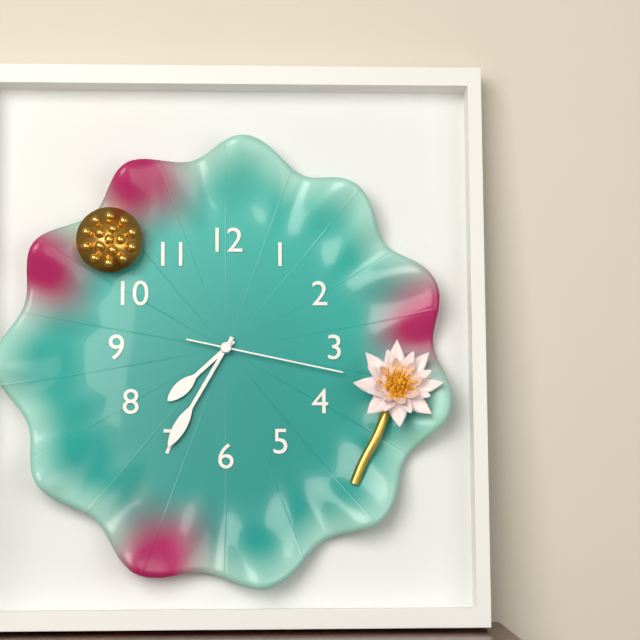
7:35:17
